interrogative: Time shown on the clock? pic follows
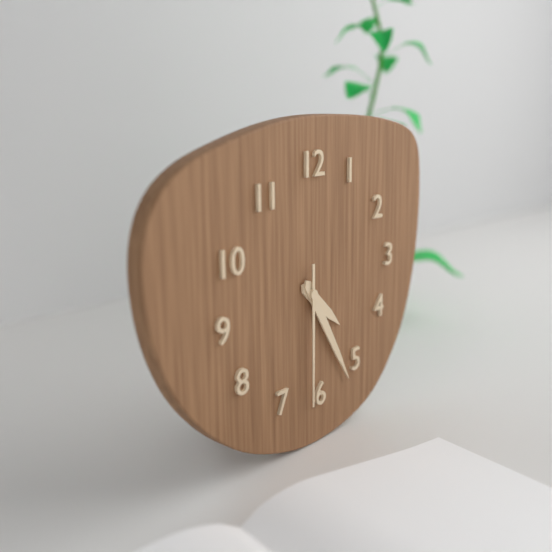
4:25:30
